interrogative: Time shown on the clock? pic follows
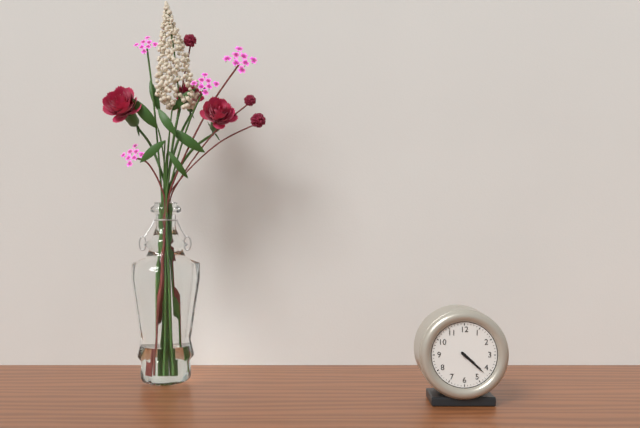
4:22
